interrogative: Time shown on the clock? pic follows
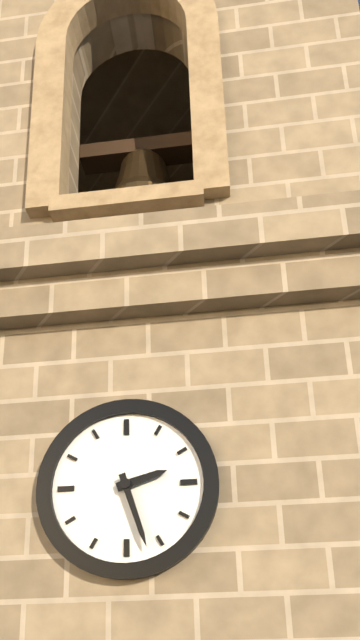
2:27
